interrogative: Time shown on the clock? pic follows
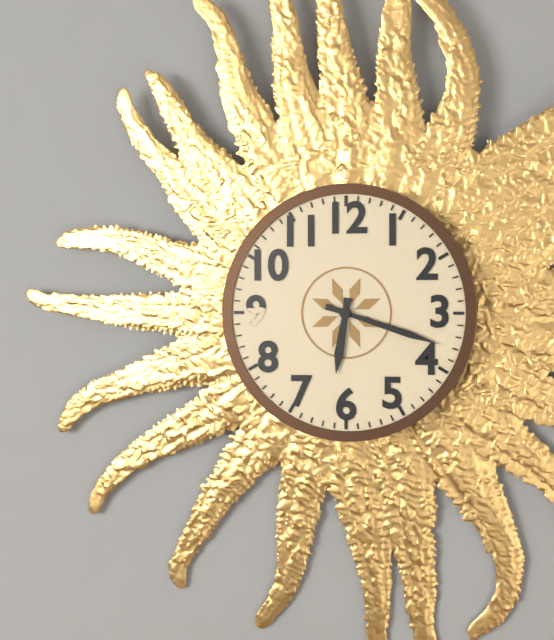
6:18
